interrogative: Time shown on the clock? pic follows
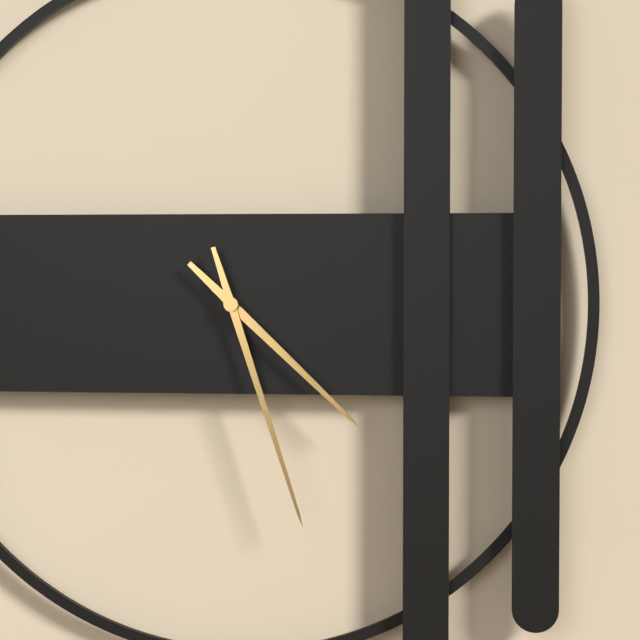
4:27
